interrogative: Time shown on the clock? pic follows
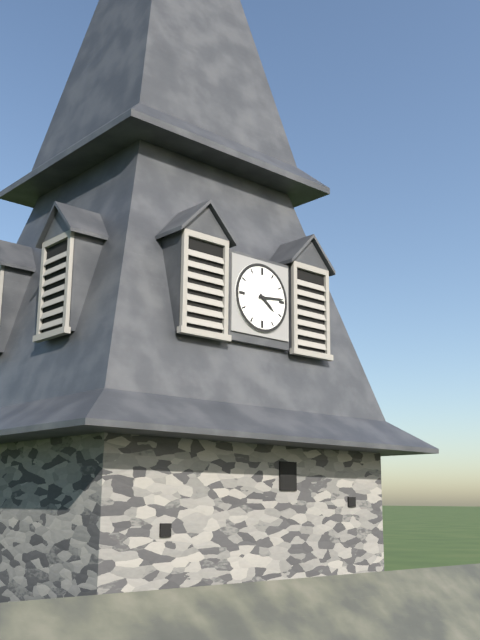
4:14
